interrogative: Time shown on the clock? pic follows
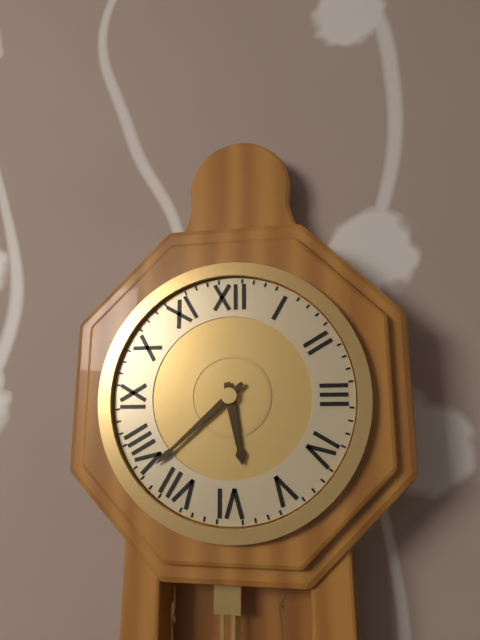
5:38
